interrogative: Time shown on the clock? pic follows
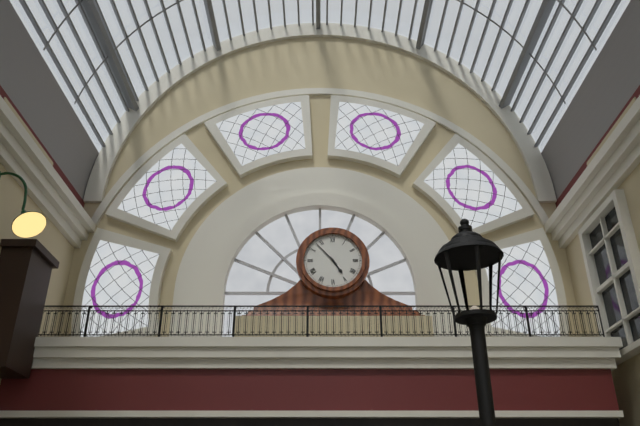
4:53
